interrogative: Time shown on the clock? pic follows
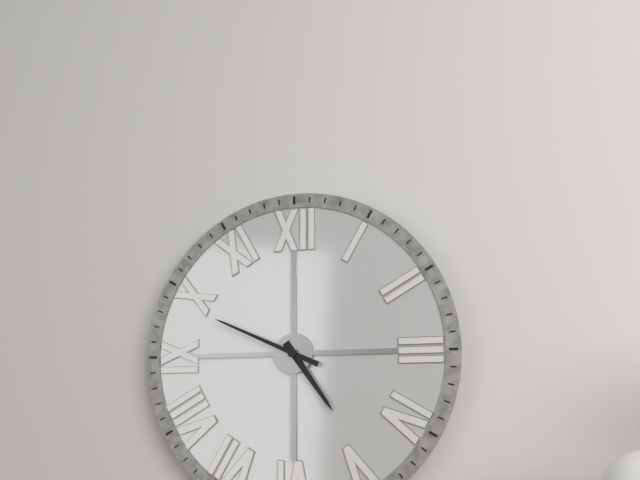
4:49
